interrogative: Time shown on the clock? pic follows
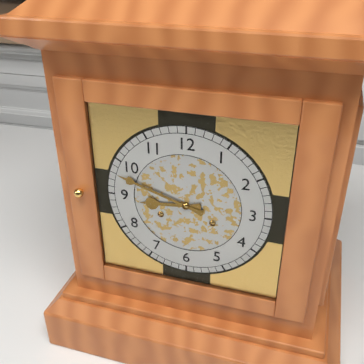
8:48
